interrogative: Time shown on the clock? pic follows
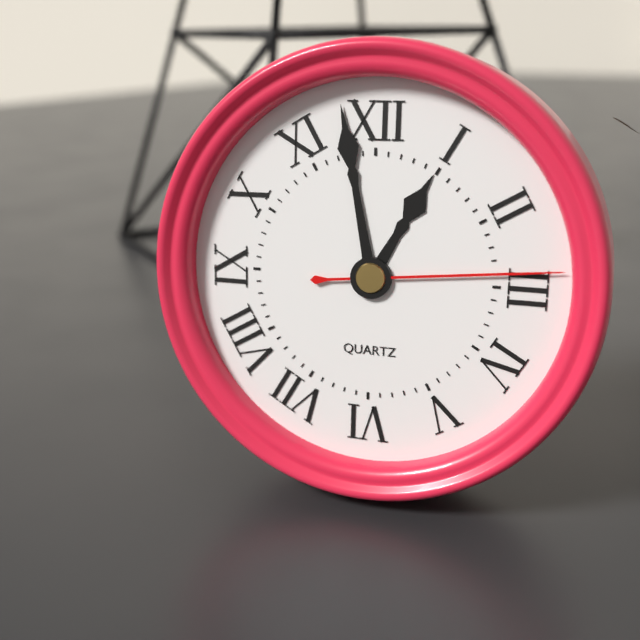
12:58:14
